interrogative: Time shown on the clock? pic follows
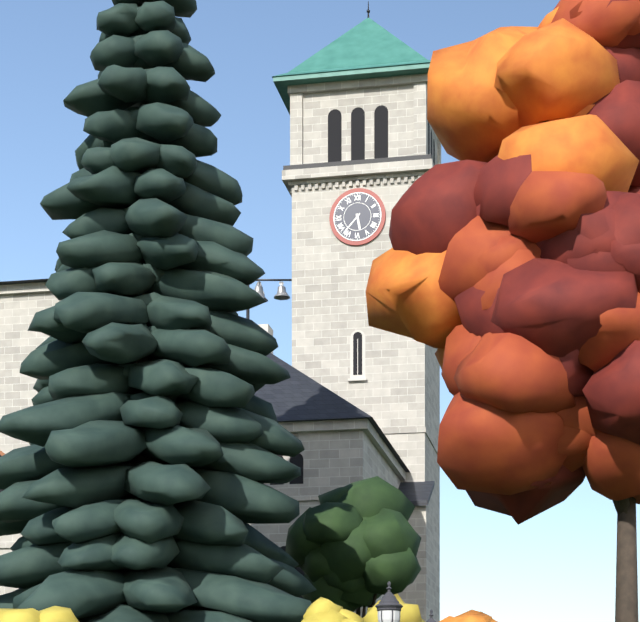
5:37
